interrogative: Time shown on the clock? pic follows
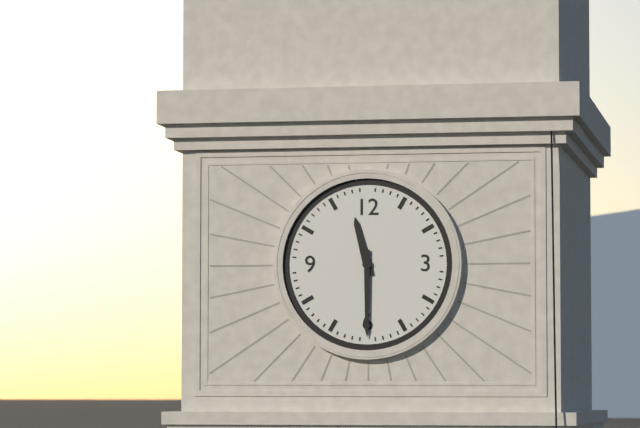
11:30
